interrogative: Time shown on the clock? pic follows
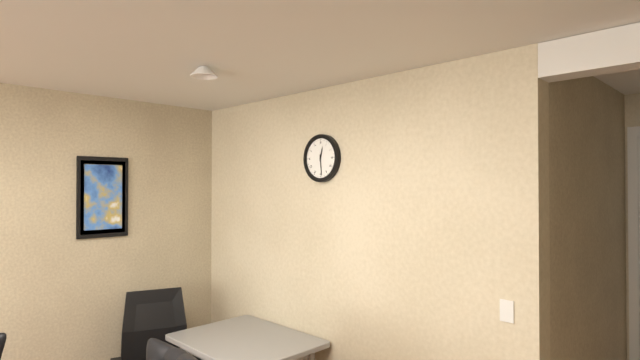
12:29
